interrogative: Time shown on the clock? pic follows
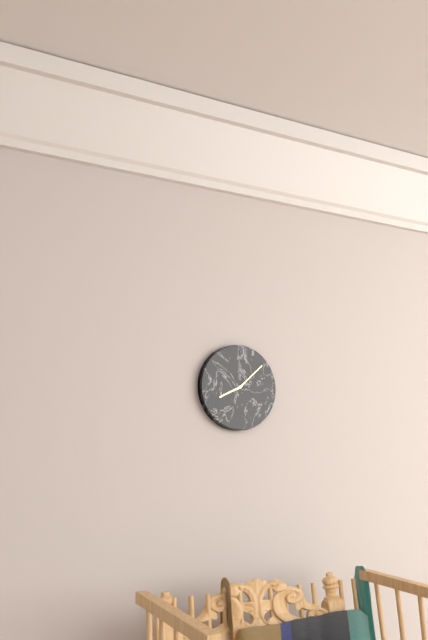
8:08
